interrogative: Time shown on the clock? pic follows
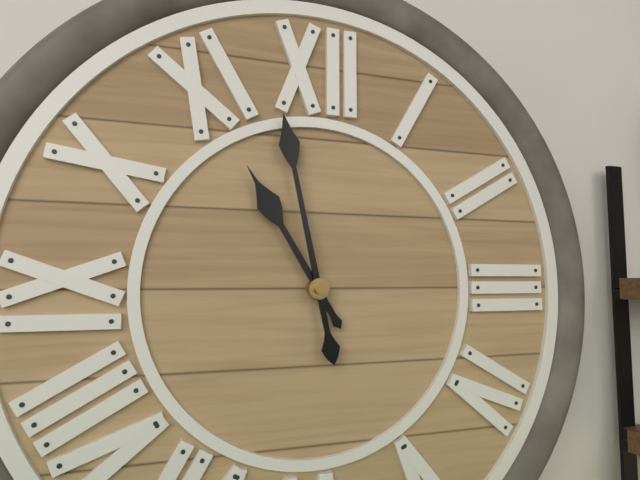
10:58
